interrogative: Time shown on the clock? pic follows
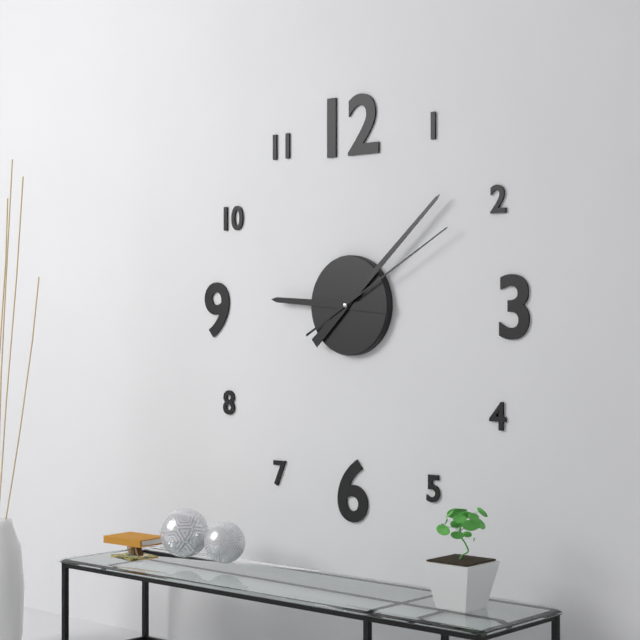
9:08:10
